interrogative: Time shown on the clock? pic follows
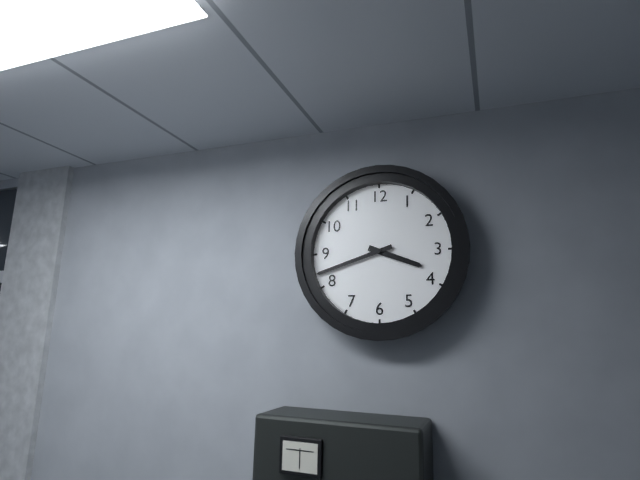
3:42
